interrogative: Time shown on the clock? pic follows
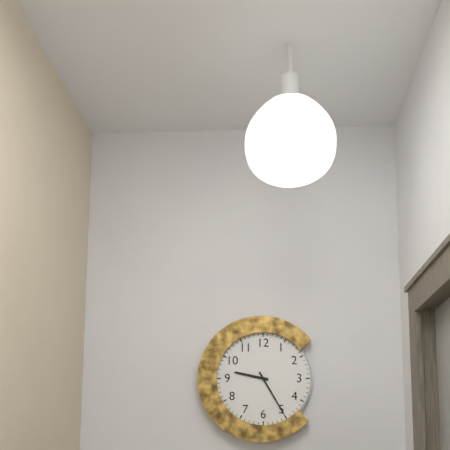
9:25
